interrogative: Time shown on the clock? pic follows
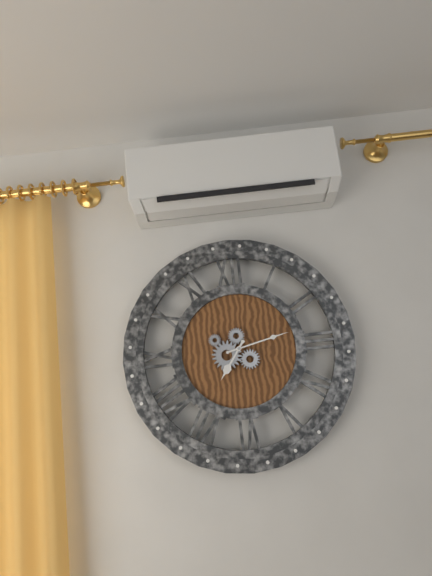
7:13
